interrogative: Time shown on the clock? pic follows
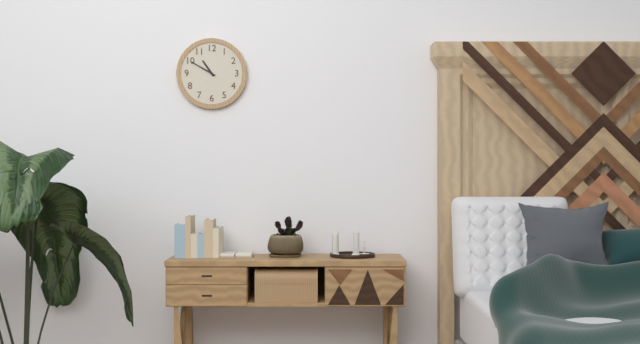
10:50
